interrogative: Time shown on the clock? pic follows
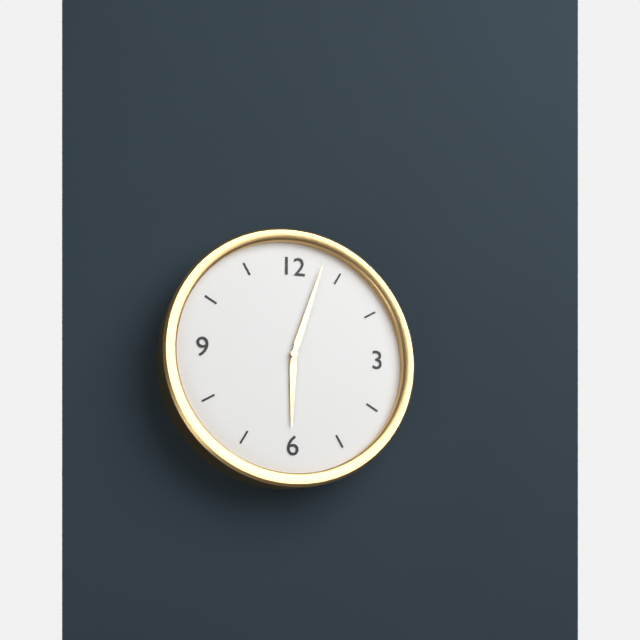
6:03
